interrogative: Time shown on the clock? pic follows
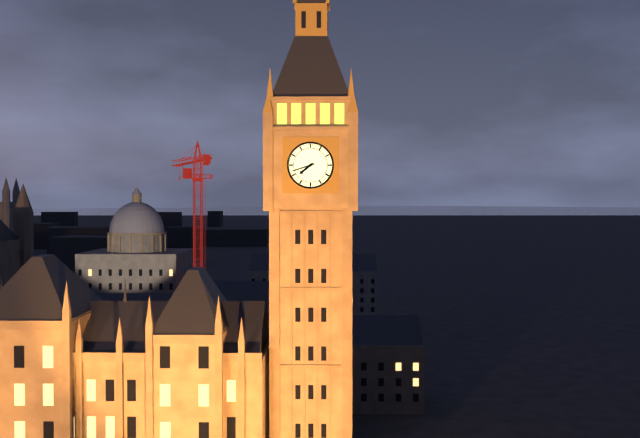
7:42
